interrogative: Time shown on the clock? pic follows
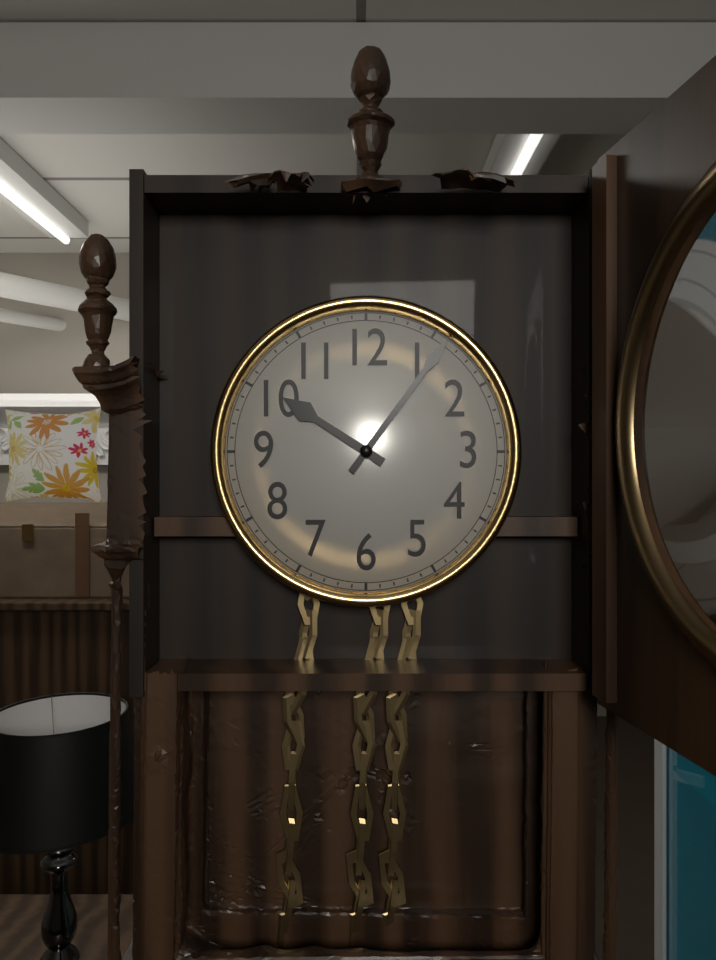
10:06
